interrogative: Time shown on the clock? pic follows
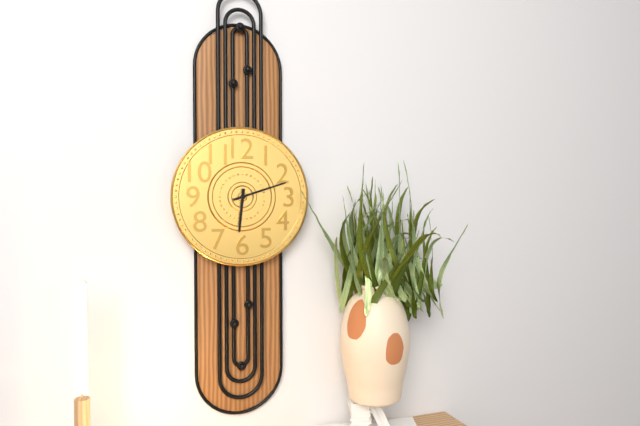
6:12
